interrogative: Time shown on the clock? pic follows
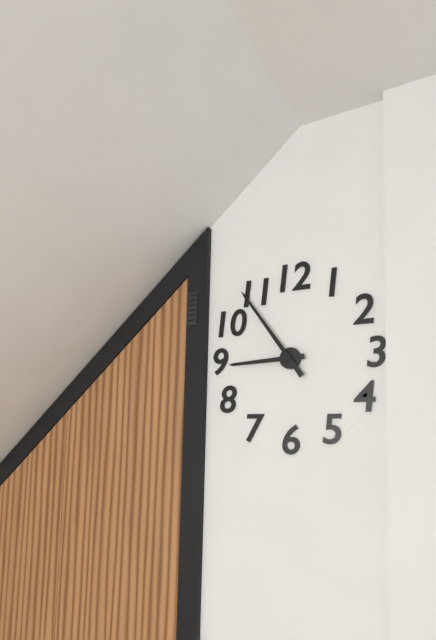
8:54
